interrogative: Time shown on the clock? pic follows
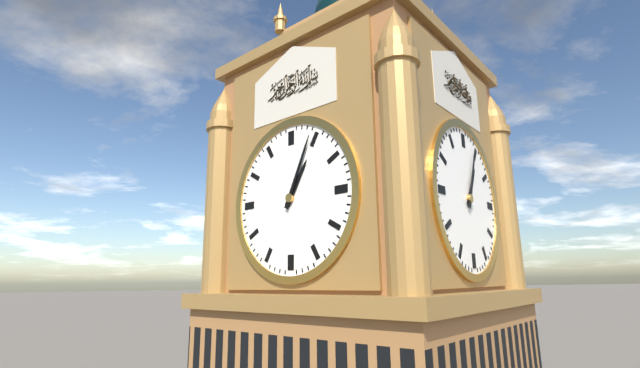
1:04
